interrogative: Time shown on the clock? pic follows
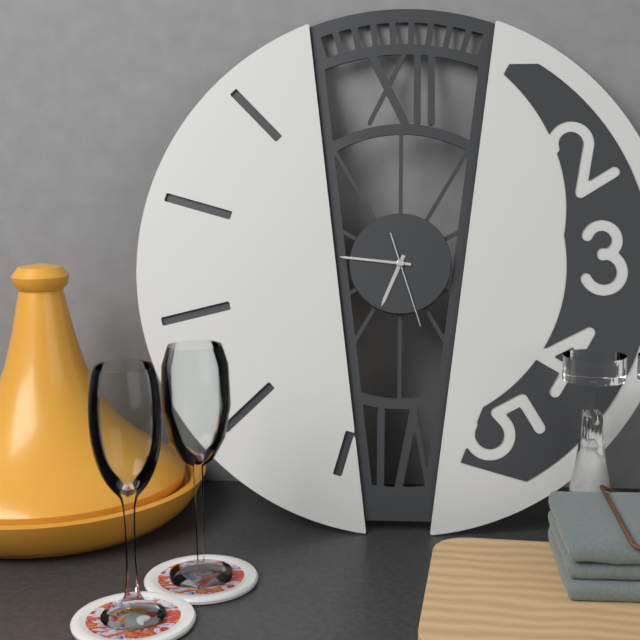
6:46:27
